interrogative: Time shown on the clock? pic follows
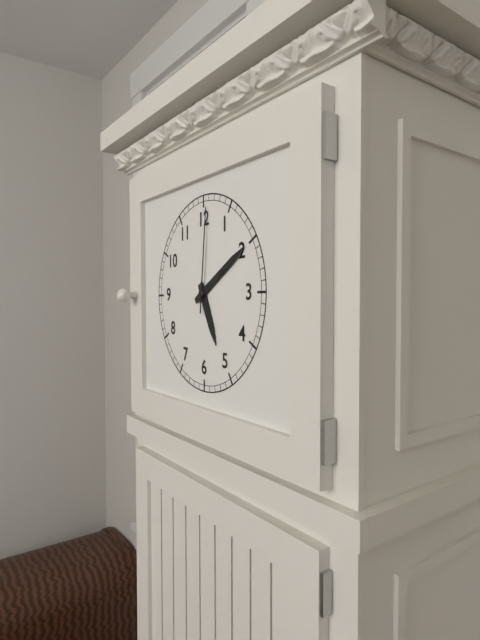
5:10:01
